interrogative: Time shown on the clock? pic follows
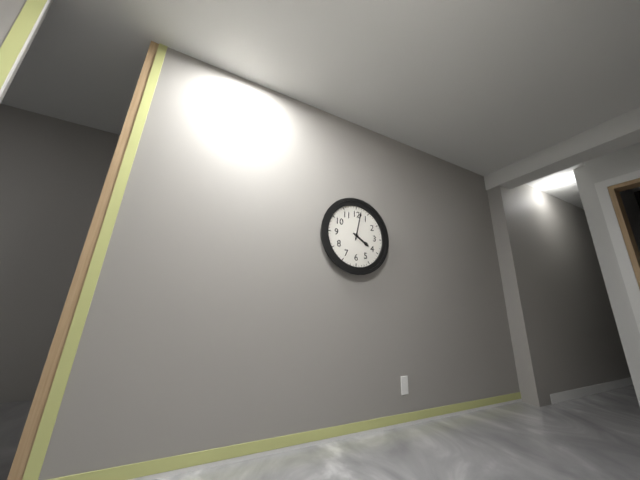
4:02
